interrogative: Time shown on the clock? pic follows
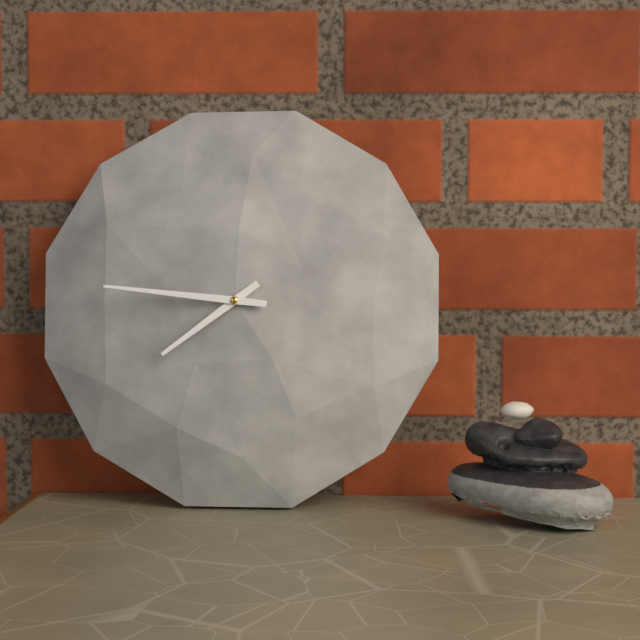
7:46
